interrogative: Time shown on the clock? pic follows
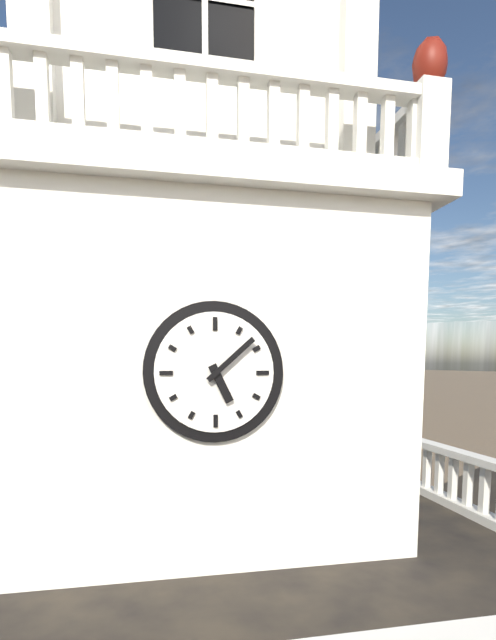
5:08
